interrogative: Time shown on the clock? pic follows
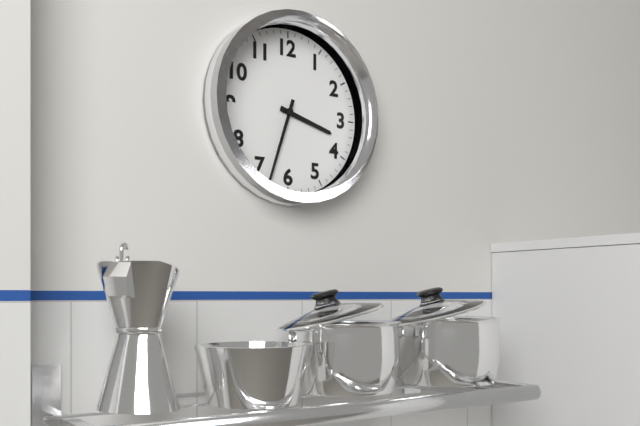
3:33
